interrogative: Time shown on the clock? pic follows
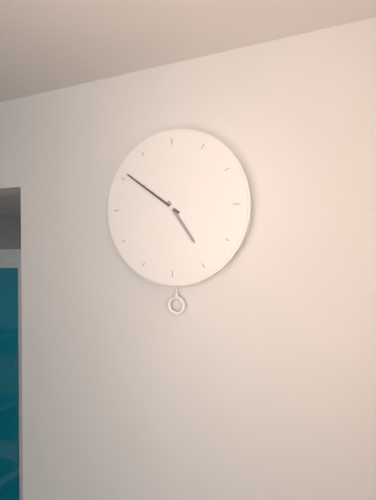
4:51
